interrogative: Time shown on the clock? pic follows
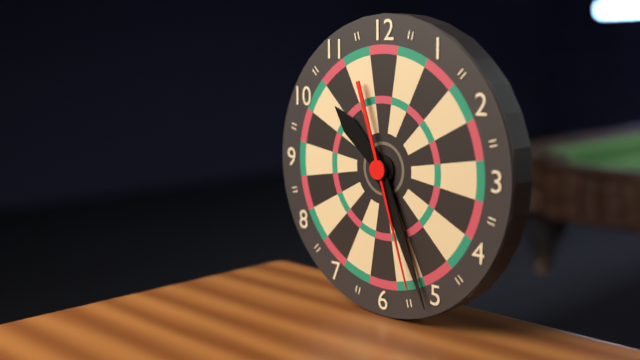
10:26:27
